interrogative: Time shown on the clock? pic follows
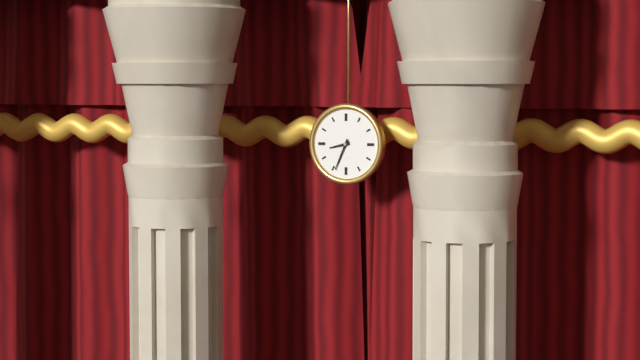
8:34
